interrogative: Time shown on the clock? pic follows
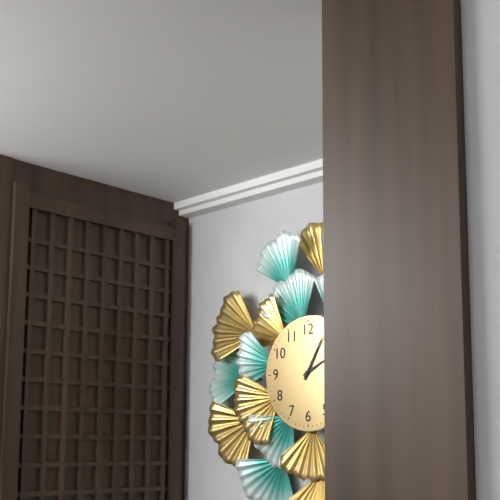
2:05
